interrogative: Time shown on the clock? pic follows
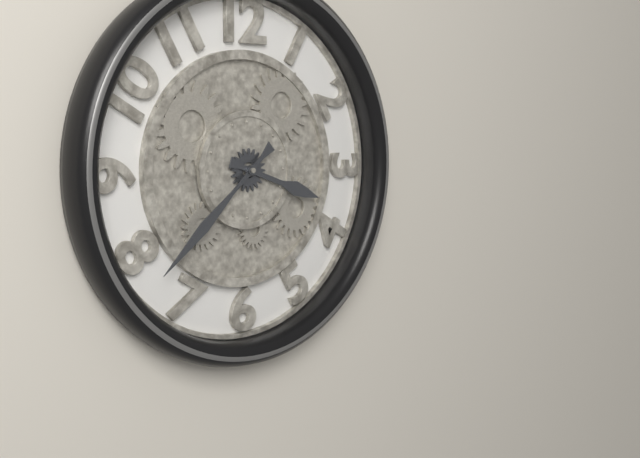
3:38
